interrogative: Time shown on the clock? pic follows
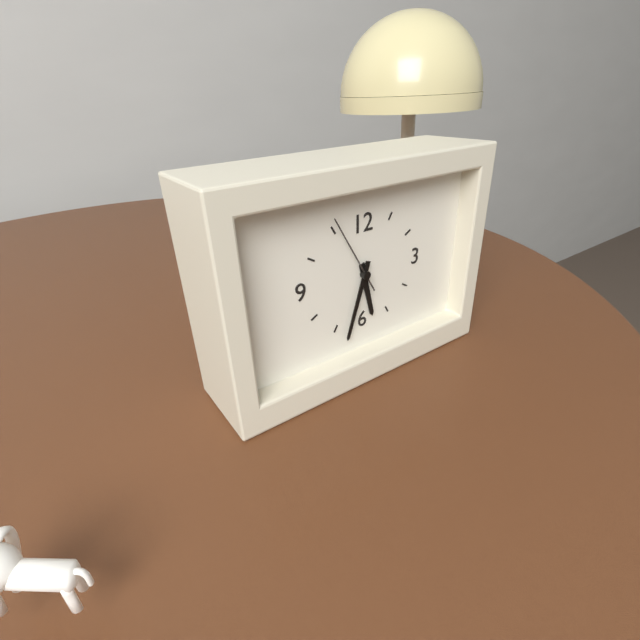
5:33:55
